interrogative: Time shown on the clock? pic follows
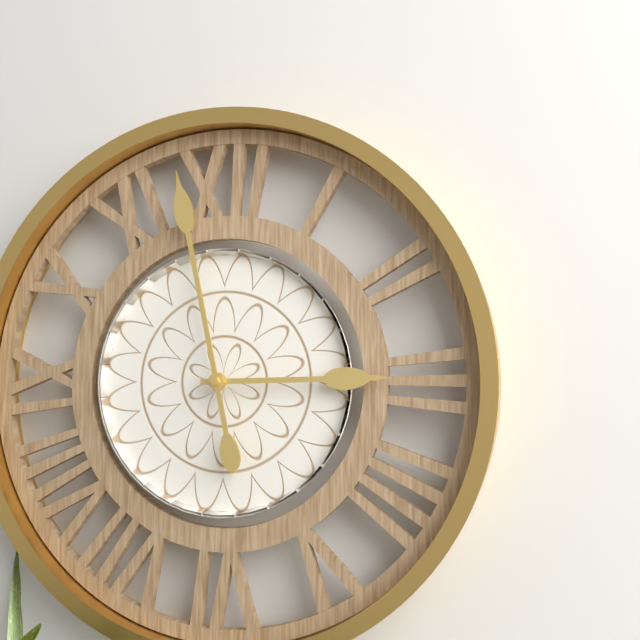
2:58
